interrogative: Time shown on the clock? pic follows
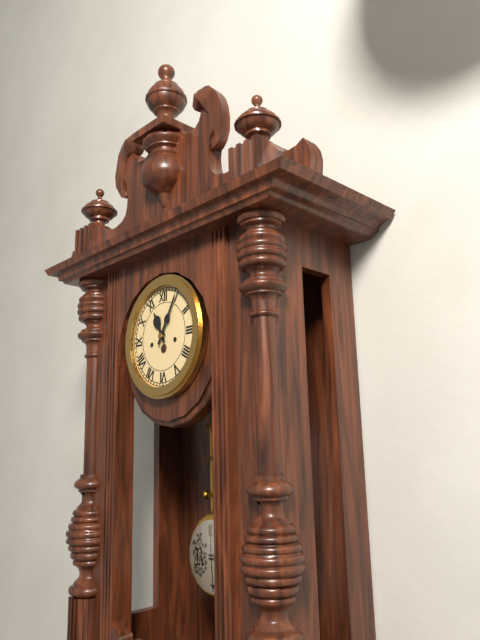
11:05
